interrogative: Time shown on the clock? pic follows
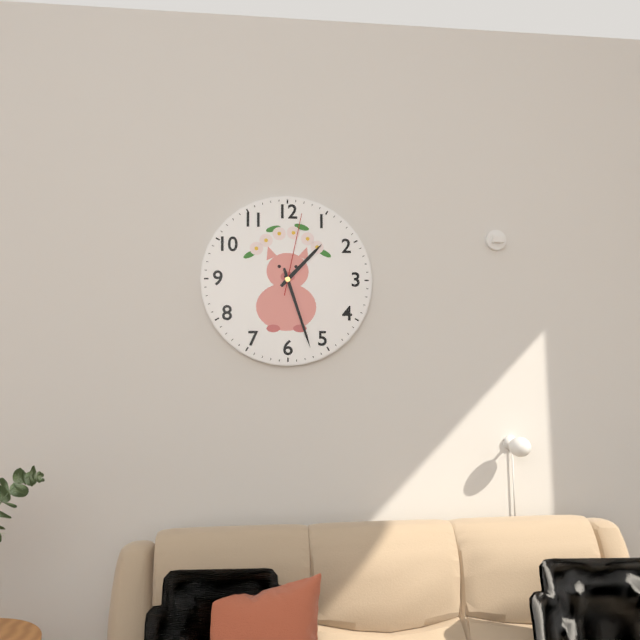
1:27:02
